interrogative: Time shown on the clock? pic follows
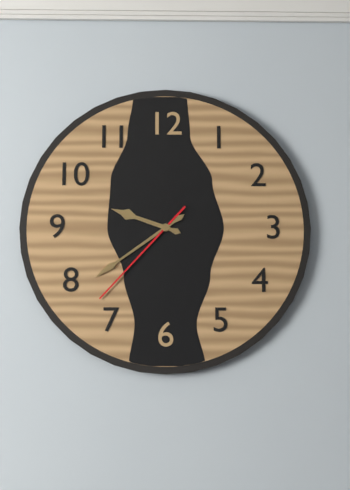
9:39:37
